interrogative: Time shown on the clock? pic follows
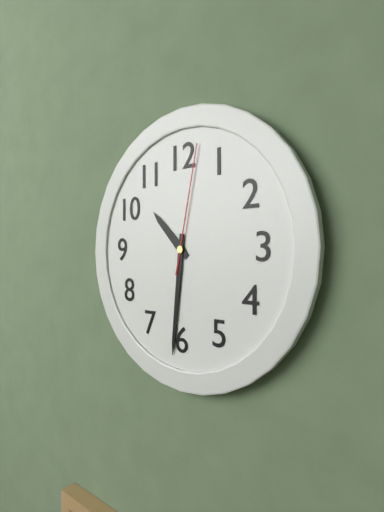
10:31:02
